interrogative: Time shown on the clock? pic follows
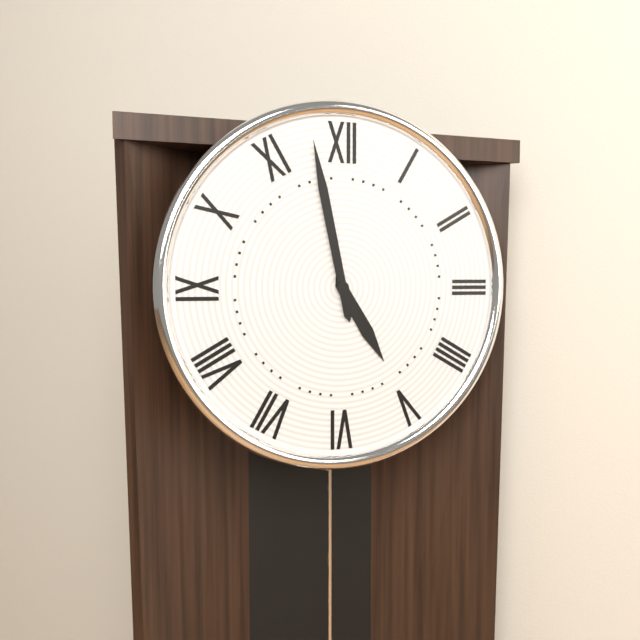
4:58
